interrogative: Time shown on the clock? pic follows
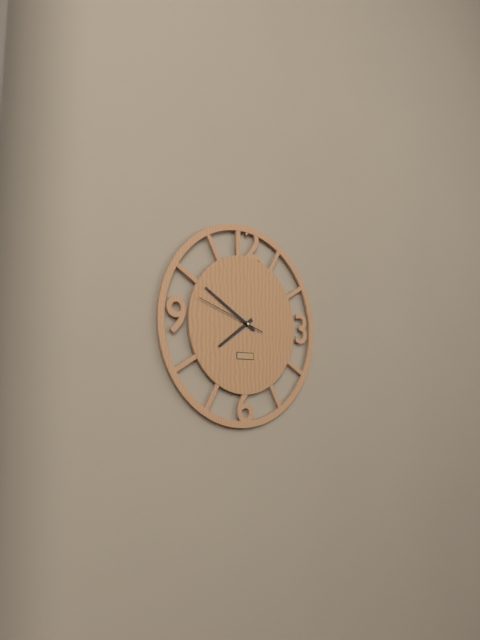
7:50:48
